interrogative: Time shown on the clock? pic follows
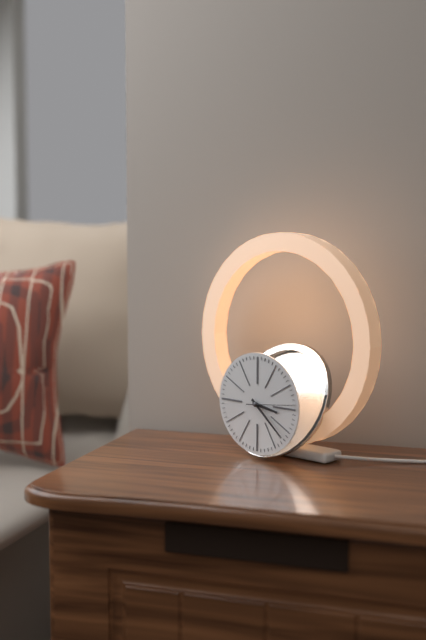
3:22
